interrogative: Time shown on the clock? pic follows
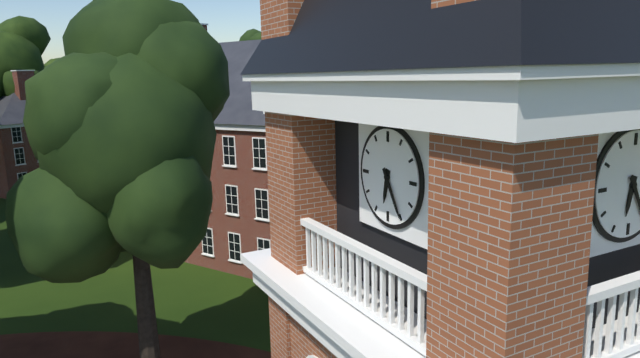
6:25
